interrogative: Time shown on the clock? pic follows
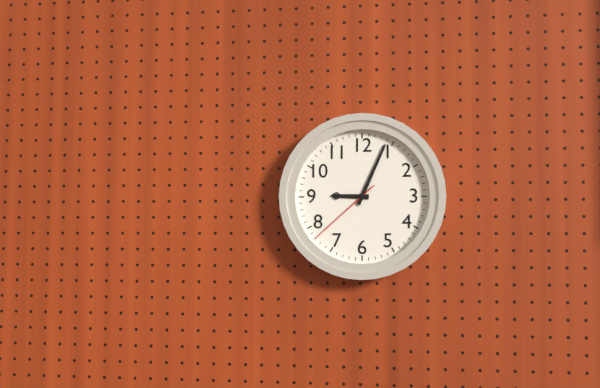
9:04:38
